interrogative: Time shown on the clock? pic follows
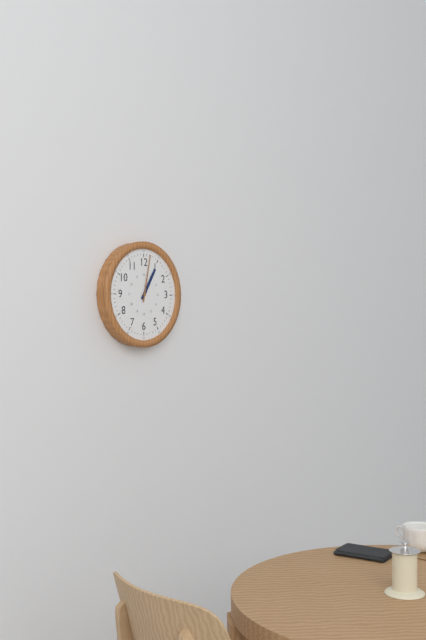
1:02
